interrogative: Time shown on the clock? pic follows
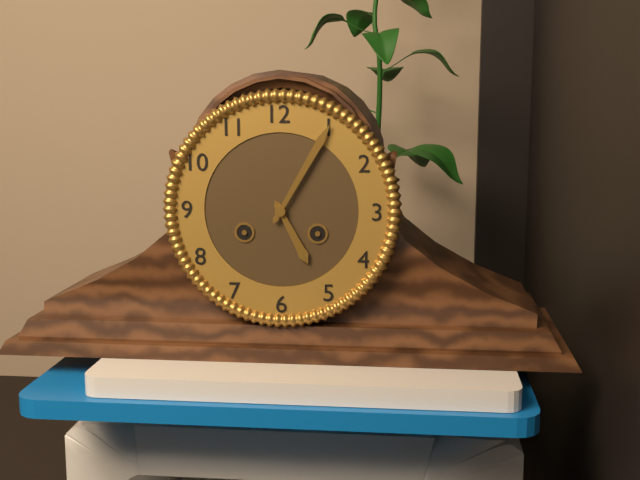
5:05
